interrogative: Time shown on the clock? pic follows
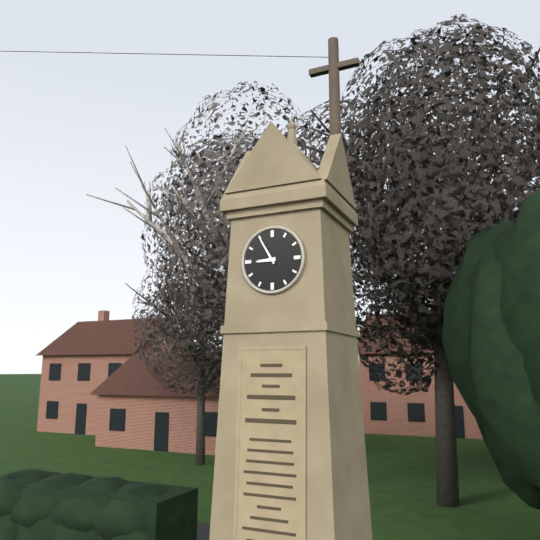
8:55
